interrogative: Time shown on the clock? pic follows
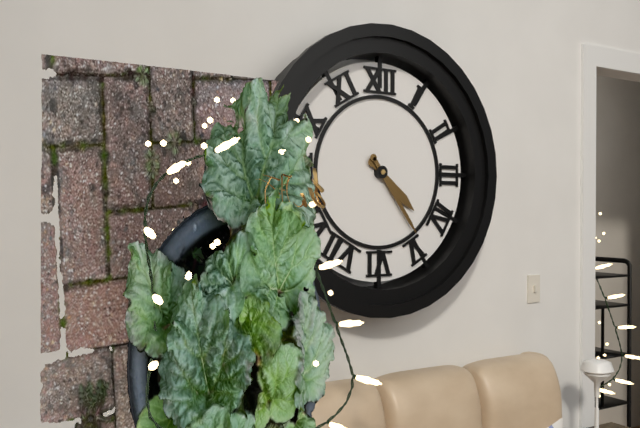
4:24
